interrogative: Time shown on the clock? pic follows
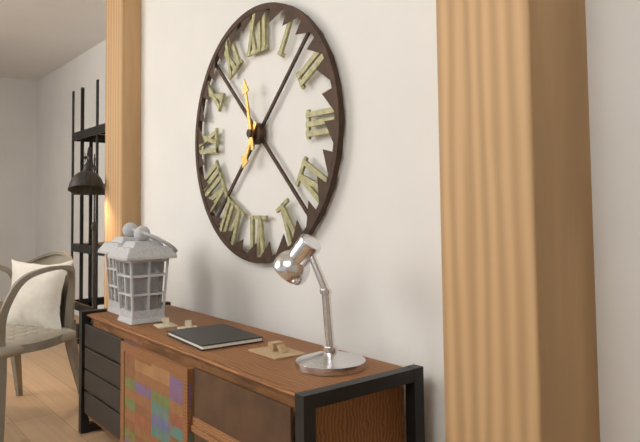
6:58
